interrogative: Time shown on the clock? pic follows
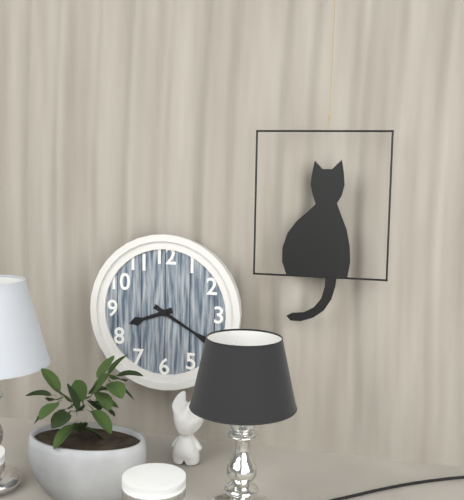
8:20
